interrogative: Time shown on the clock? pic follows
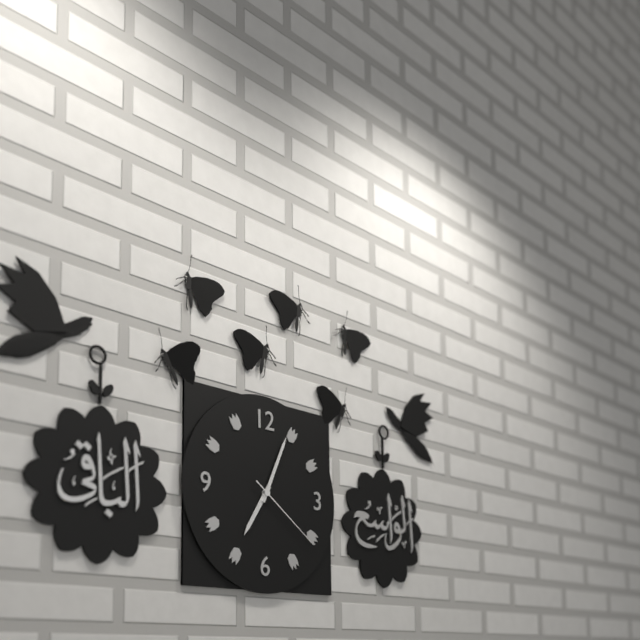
7:04:21
